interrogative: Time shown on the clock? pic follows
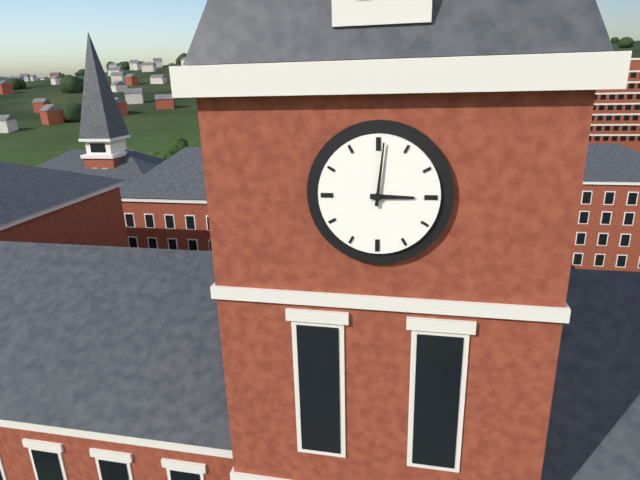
3:01
